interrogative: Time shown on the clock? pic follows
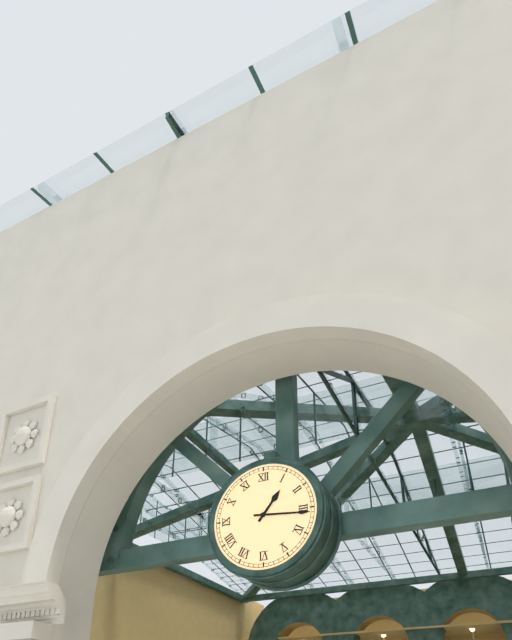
1:16
